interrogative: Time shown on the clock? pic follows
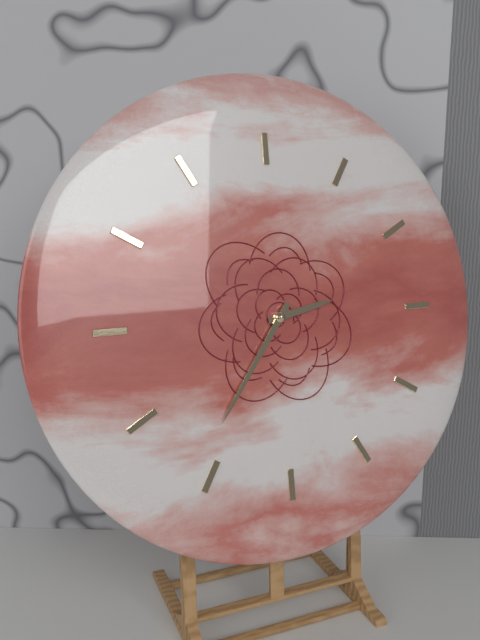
2:36
